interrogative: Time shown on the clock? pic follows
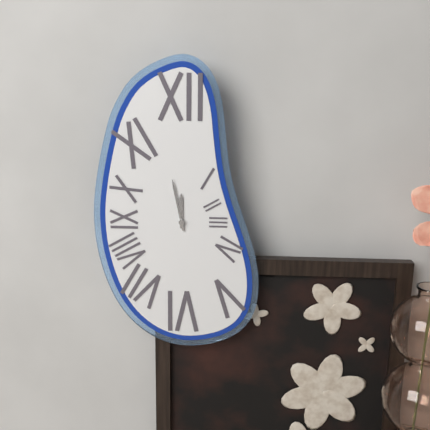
11:58
